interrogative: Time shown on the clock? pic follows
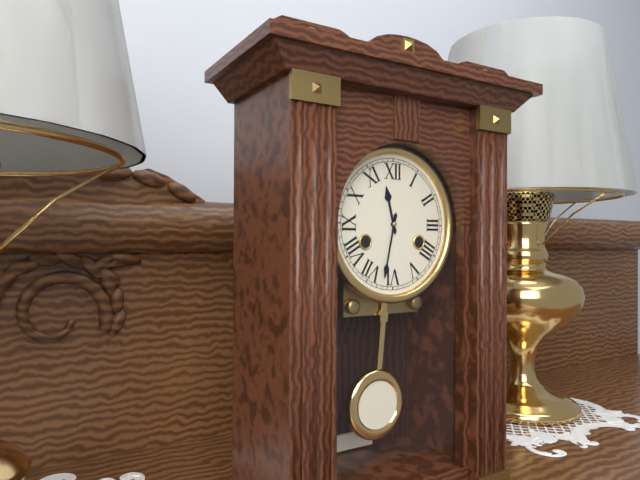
11:32
